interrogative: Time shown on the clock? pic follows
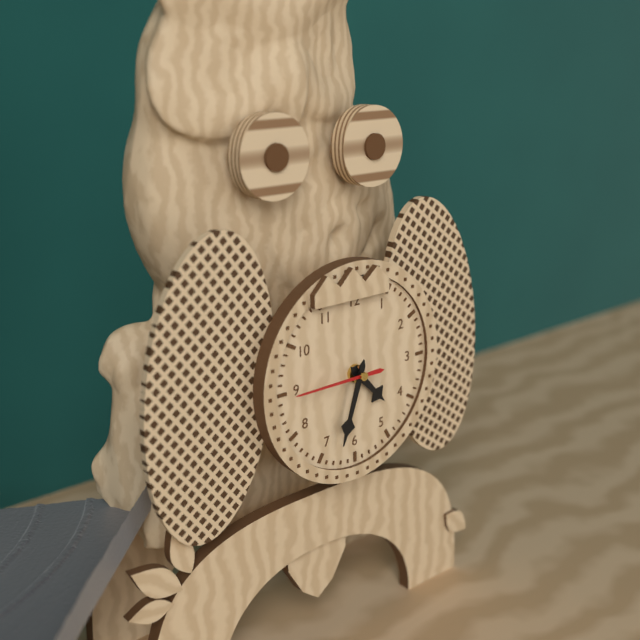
4:33:45
